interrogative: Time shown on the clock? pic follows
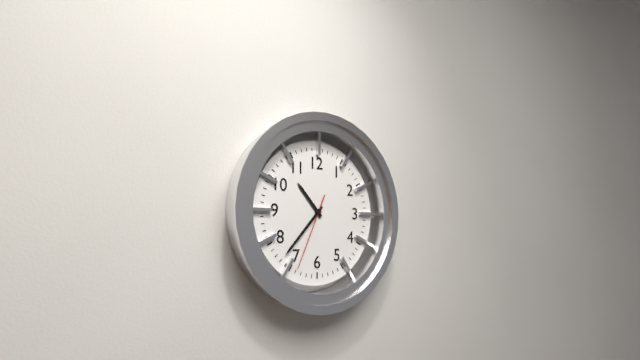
10:37:34
